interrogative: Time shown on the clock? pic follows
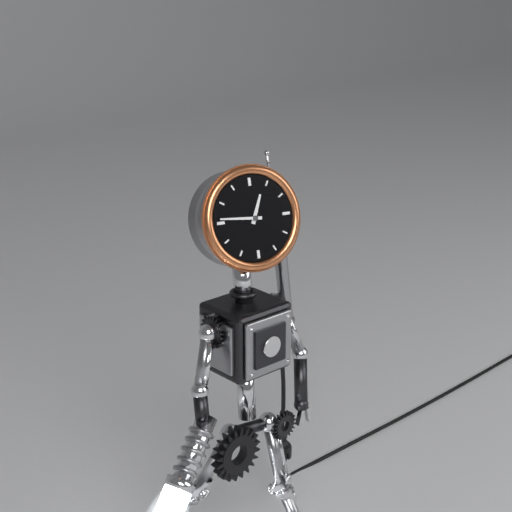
12:46
